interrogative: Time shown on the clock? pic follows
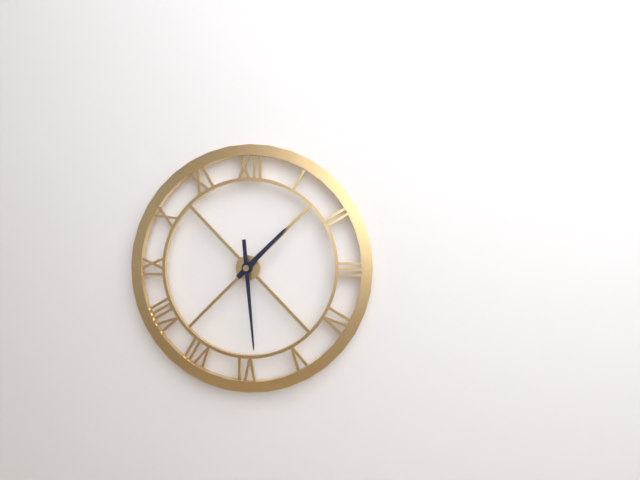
1:29
